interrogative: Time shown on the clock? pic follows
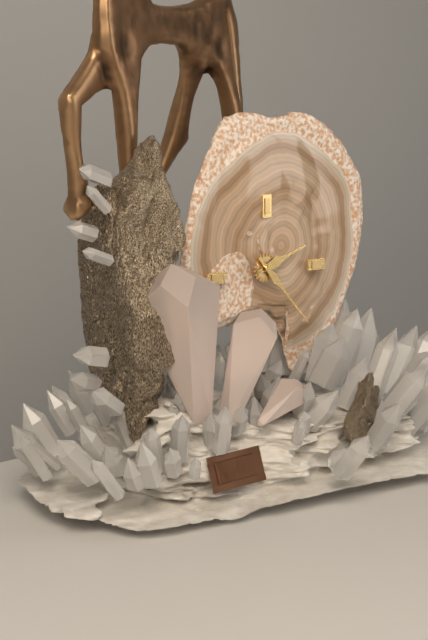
2:23
